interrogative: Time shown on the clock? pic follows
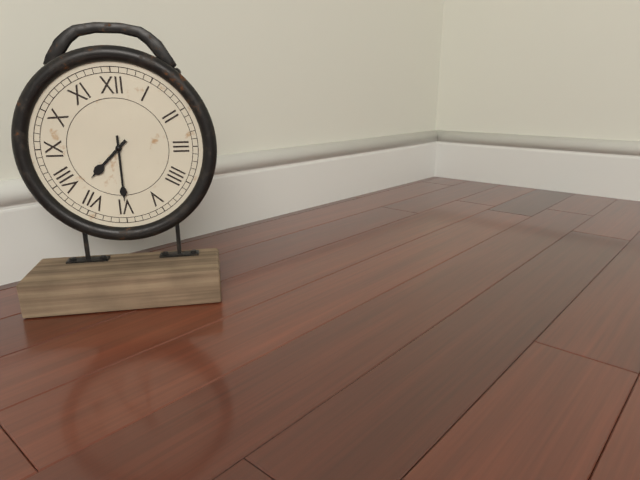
7:30
